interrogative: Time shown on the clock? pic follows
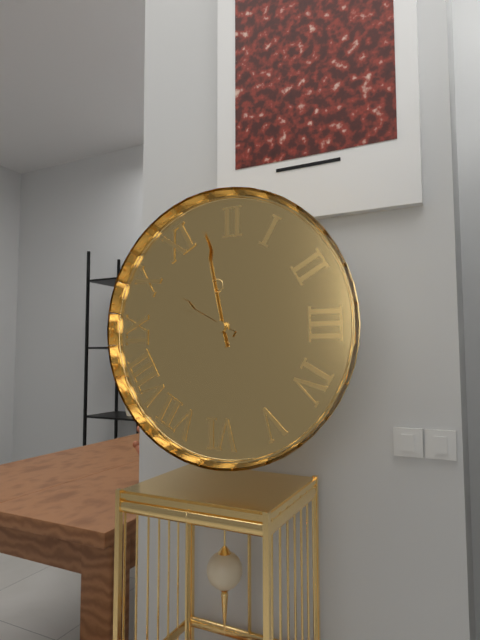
9:58
